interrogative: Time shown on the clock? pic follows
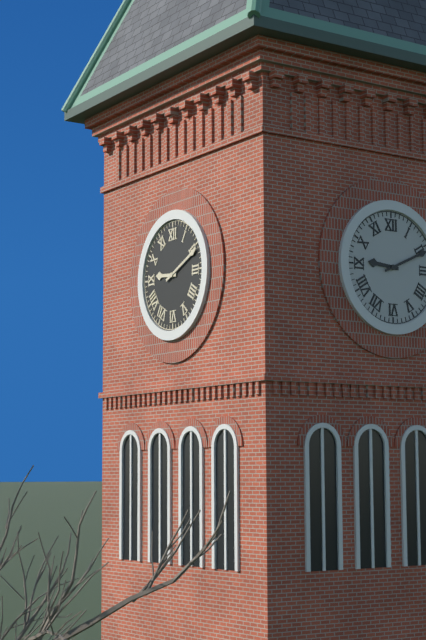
9:11
